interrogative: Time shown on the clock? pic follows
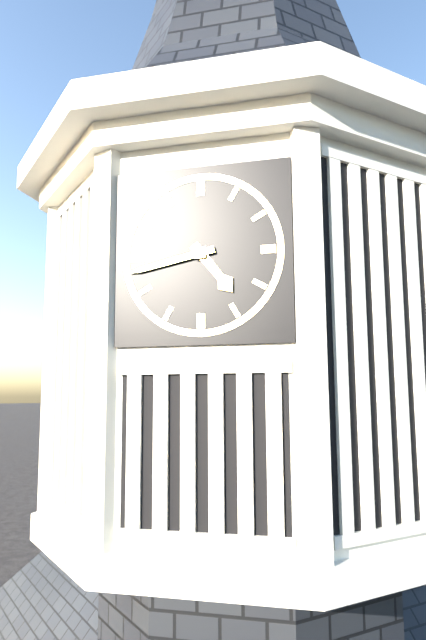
4:43
